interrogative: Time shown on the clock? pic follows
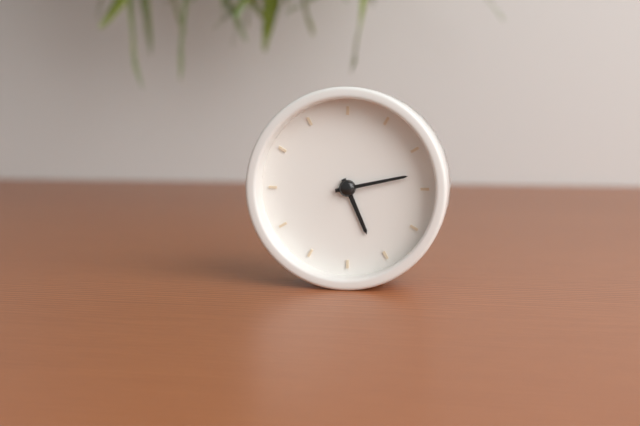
5:13
